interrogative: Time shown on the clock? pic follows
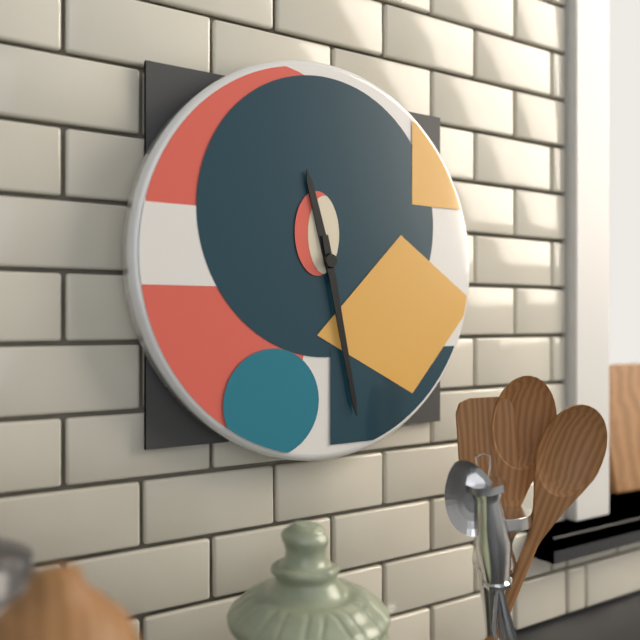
11:28
